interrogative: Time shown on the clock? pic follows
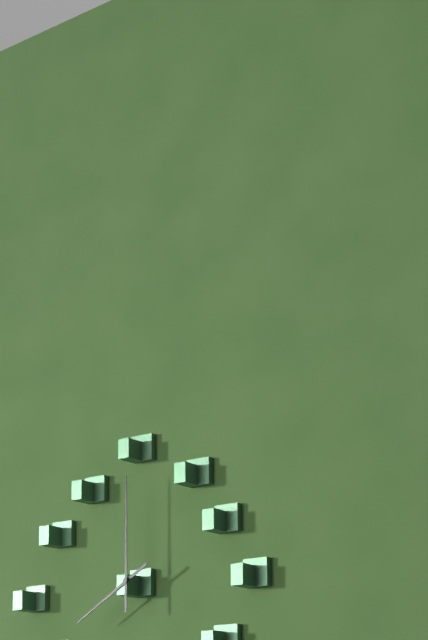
8:00
